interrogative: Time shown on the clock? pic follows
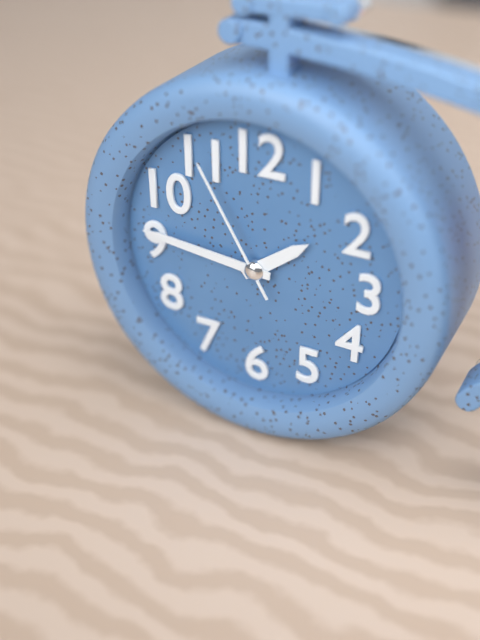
1:46:55
